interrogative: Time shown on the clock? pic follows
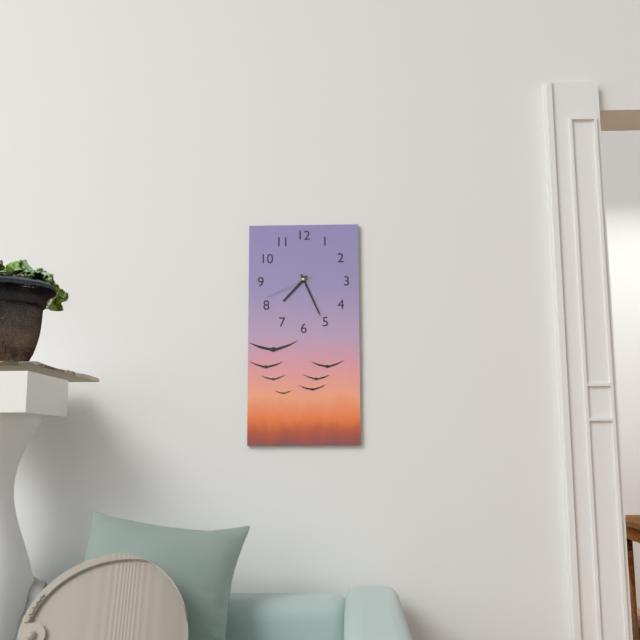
7:26:41
